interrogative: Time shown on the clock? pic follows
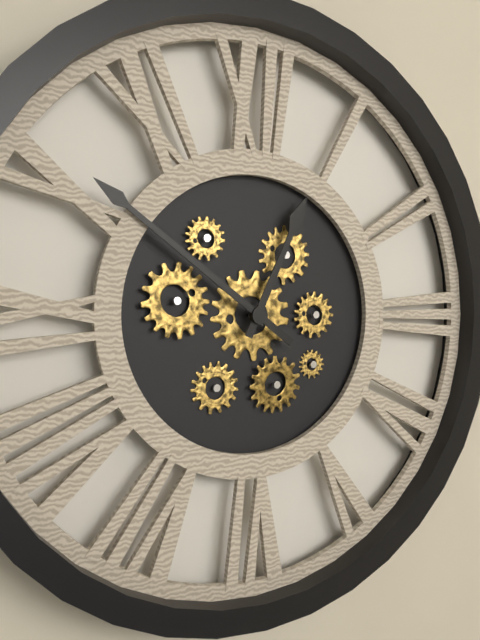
12:51
